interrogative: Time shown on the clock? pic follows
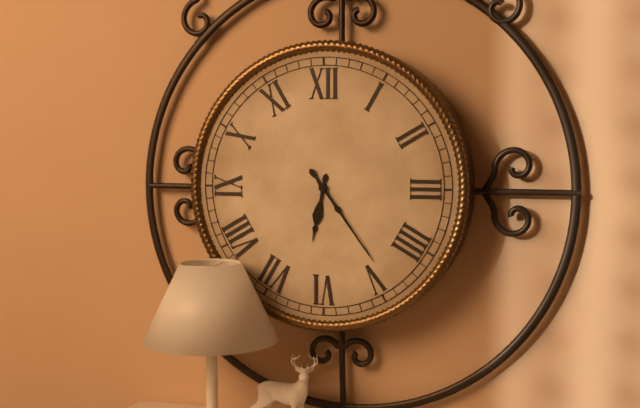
6:24
